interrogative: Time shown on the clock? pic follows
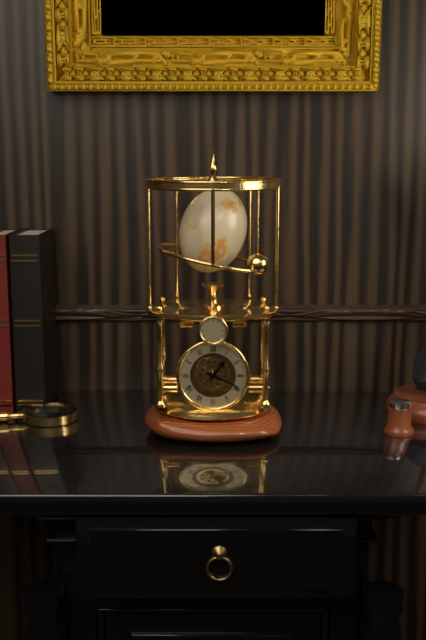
1:19
